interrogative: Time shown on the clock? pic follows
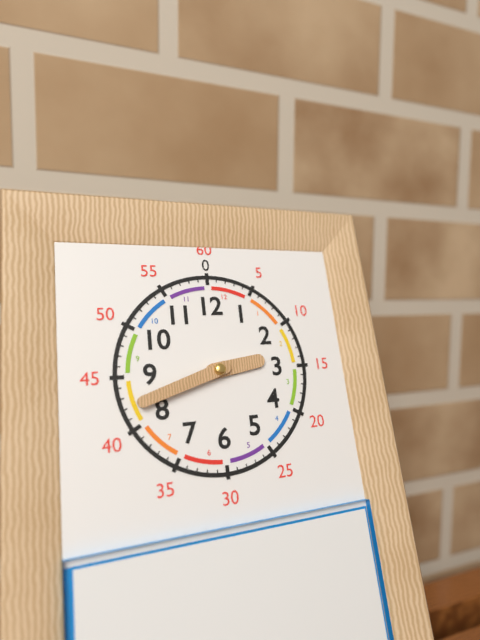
2:42
